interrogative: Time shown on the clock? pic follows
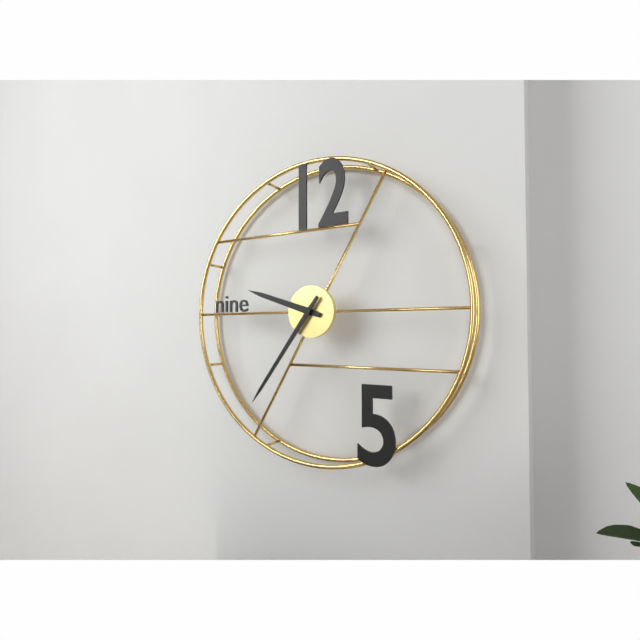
9:36
